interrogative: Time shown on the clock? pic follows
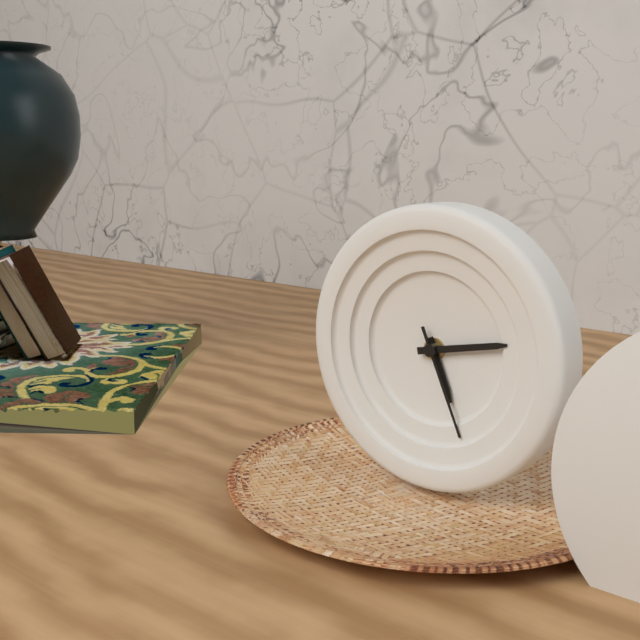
5:13:26
